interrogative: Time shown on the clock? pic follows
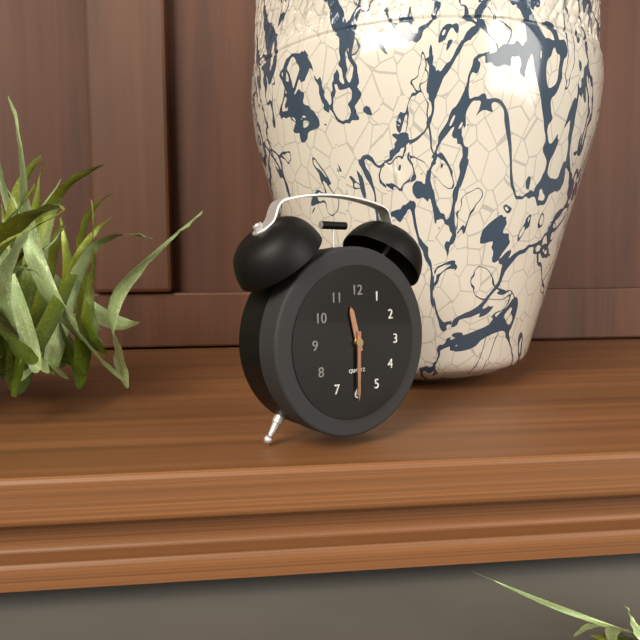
11:30
